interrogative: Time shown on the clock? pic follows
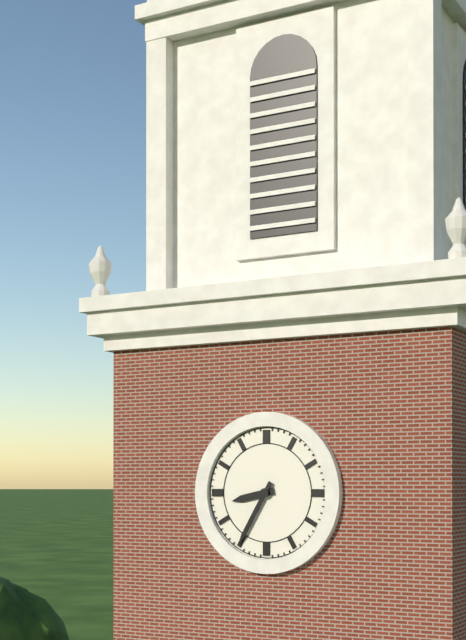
8:35
